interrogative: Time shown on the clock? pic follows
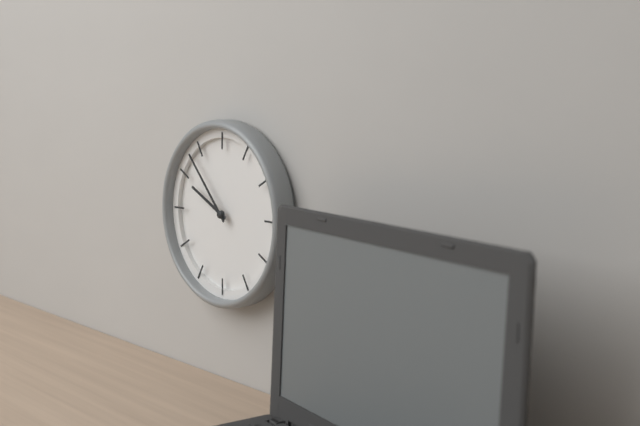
9:53
